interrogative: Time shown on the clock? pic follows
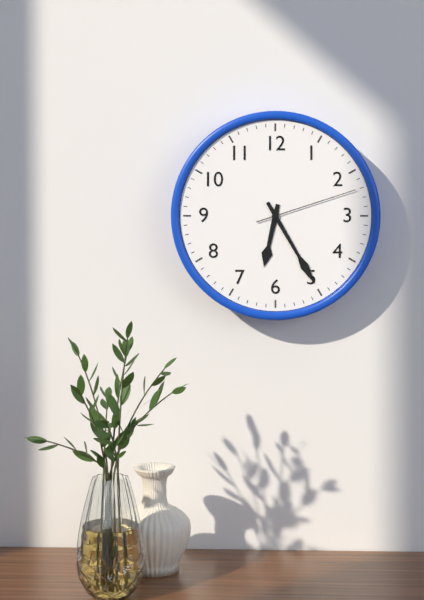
6:25:12
